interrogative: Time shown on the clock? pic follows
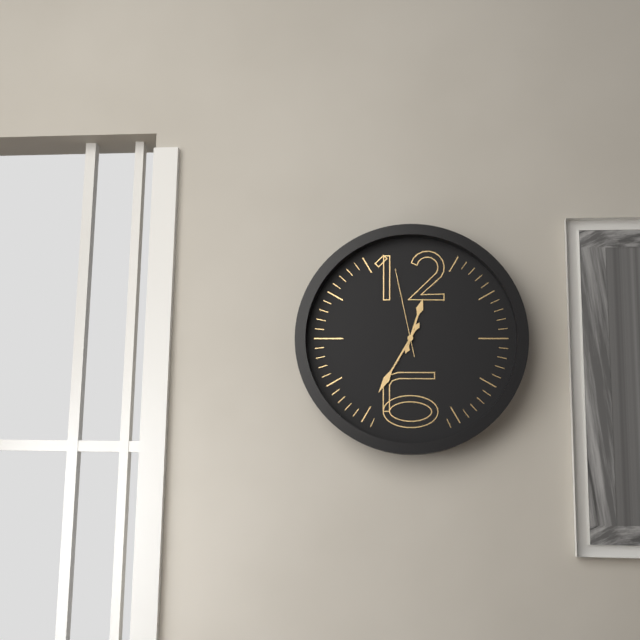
12:35:58
